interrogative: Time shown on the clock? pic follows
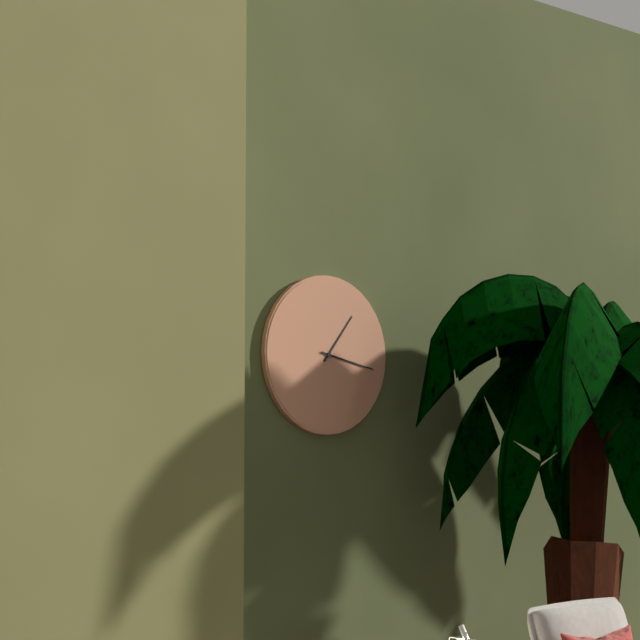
1:17
